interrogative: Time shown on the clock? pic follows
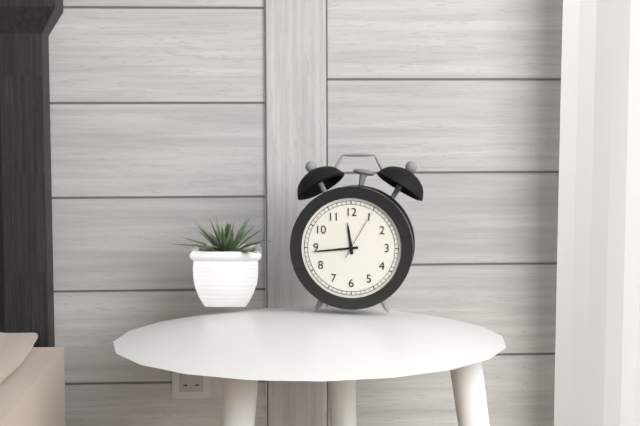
11:44:05
